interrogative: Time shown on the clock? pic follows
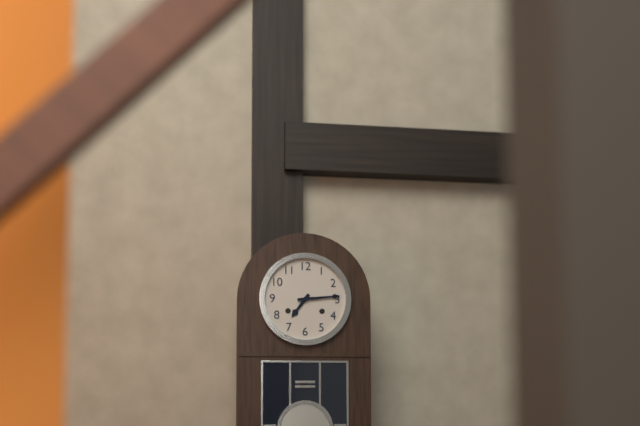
7:14
